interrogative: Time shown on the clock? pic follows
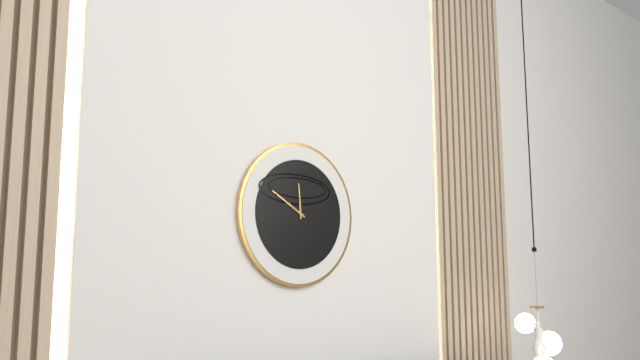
11:50
